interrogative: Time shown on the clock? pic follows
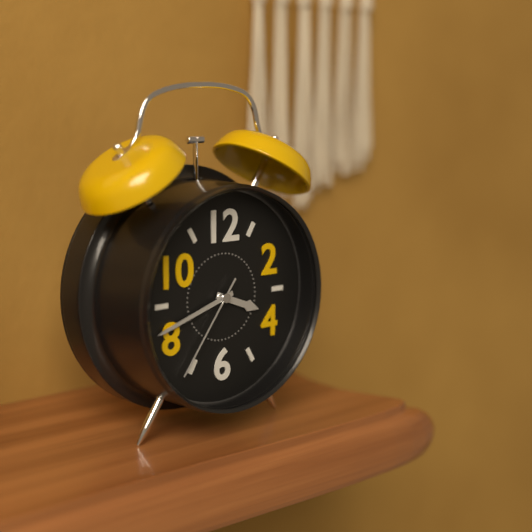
3:42:36
